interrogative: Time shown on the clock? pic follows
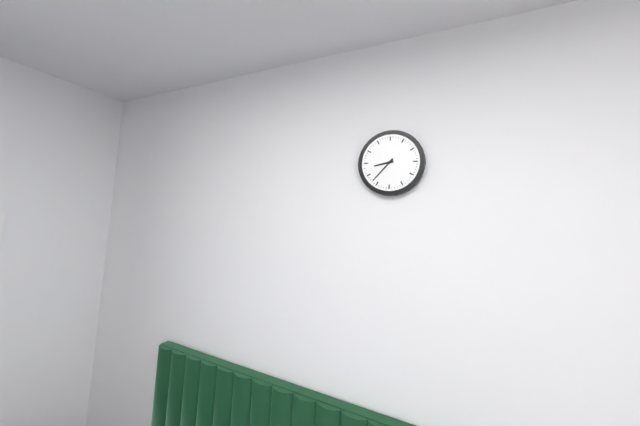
8:37
